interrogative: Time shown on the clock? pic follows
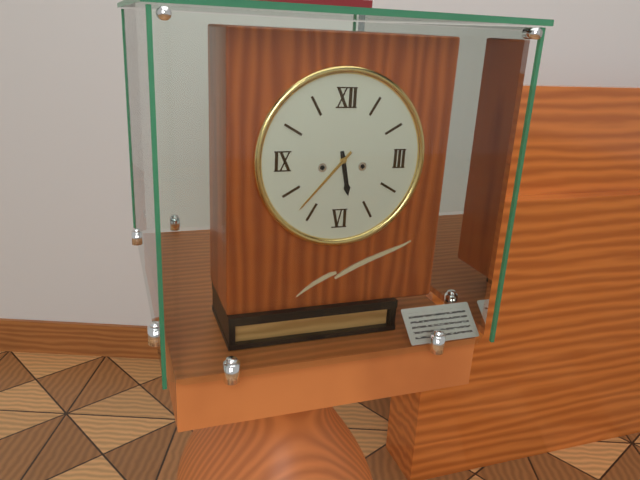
5:37
